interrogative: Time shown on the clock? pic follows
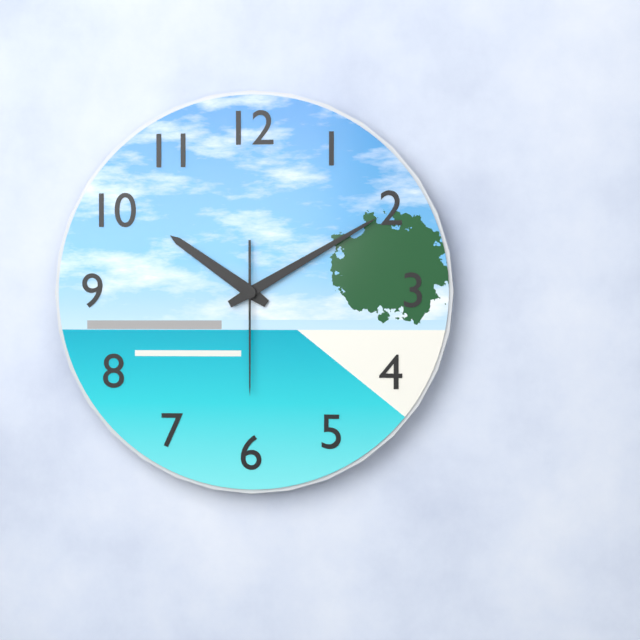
10:10:30
